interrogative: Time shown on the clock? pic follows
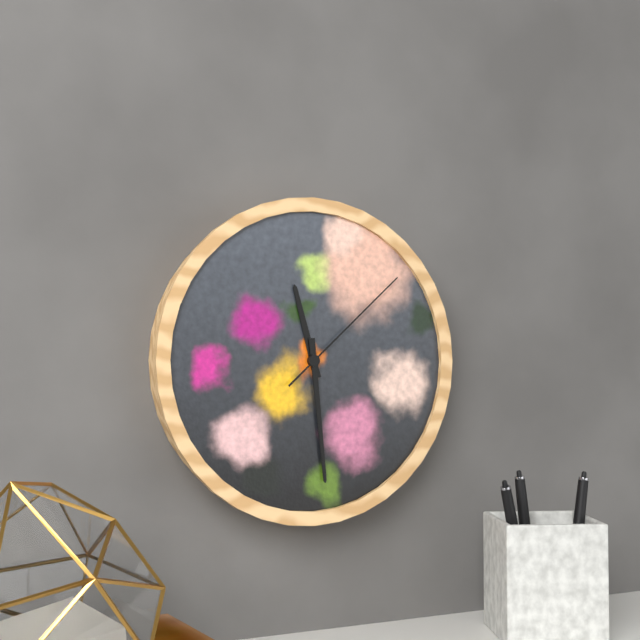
11:29:08
